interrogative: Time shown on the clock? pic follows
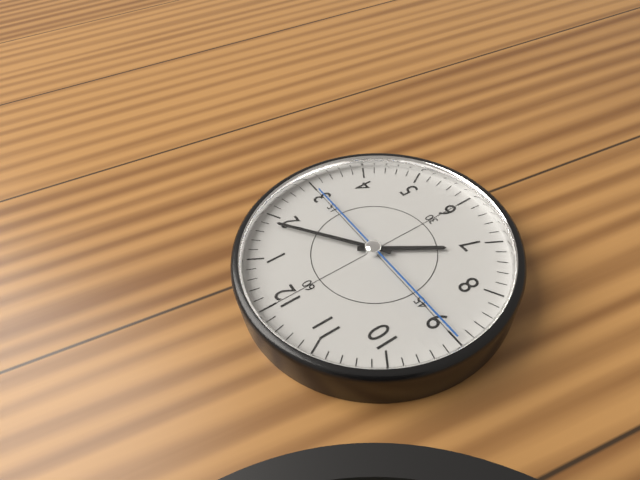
7:09:45
